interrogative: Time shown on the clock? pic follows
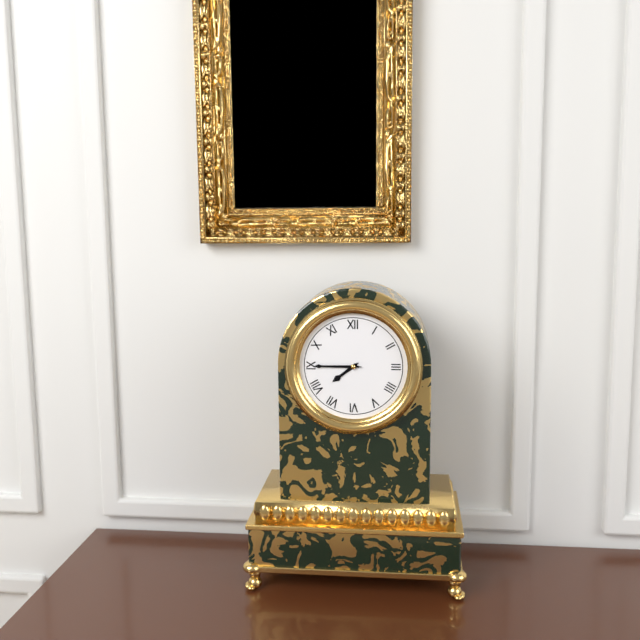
7:45
